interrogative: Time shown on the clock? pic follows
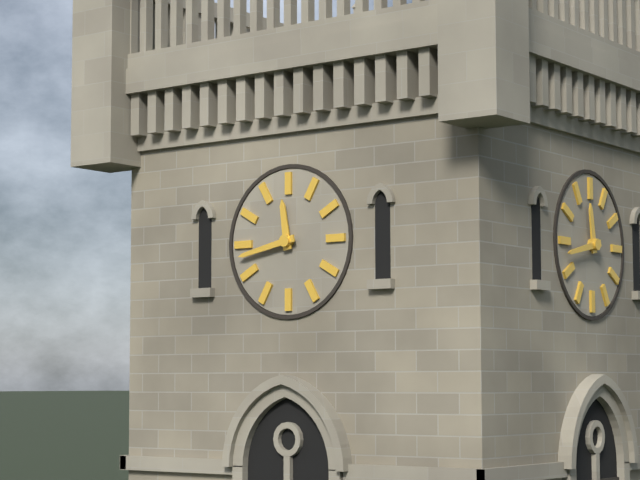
11:43
